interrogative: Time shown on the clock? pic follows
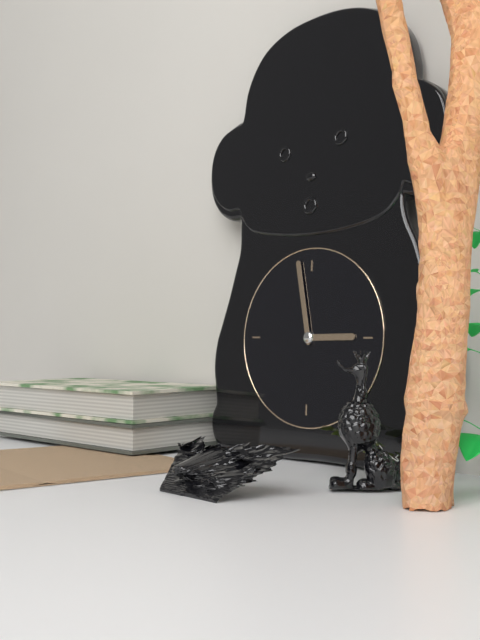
2:58
